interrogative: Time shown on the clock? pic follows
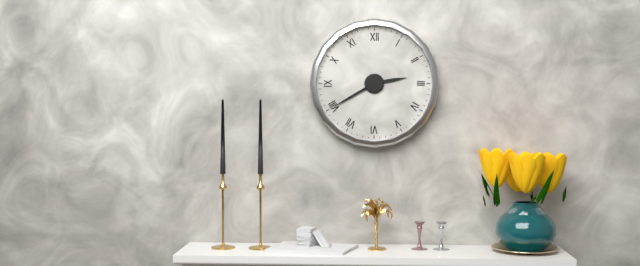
2:40
